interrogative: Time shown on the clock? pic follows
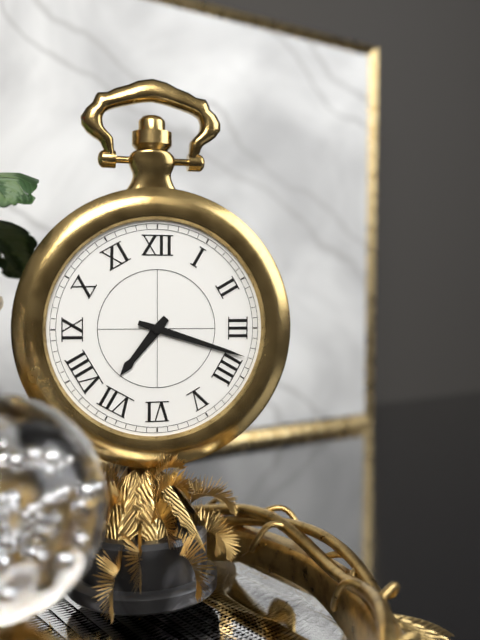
7:18
